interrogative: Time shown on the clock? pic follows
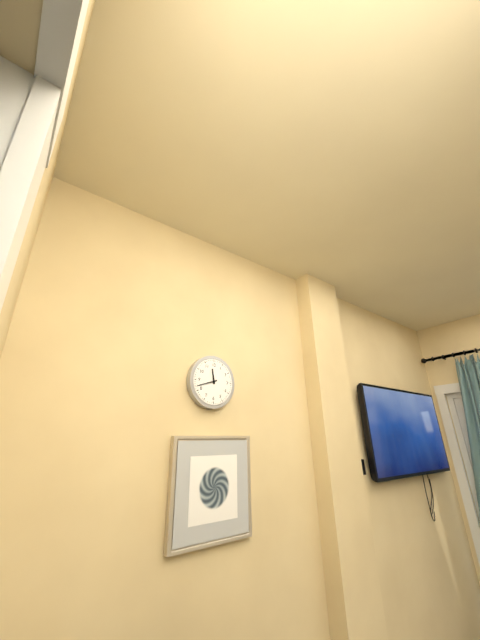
11:42
